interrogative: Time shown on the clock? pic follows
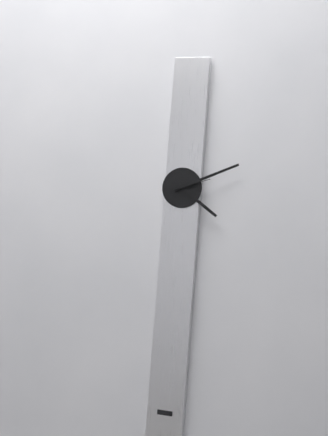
4:11
